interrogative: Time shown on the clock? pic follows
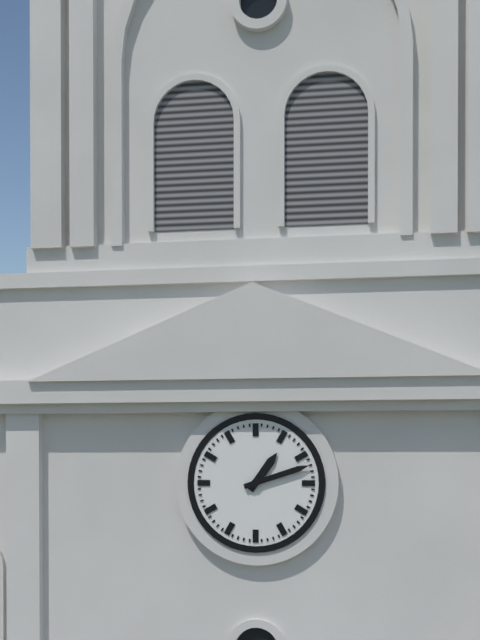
1:12
